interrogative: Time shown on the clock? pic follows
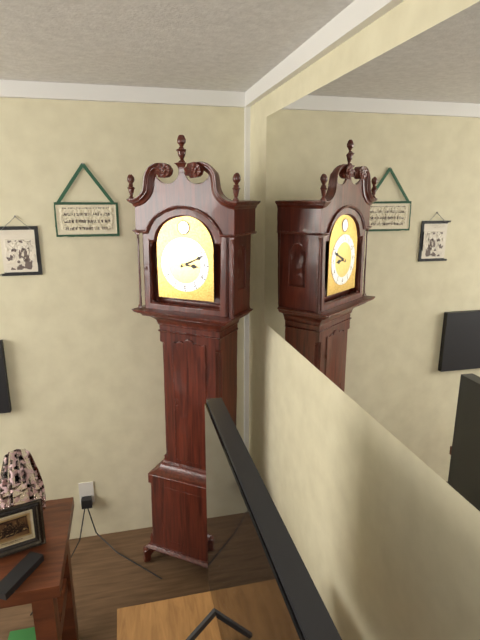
3:11
